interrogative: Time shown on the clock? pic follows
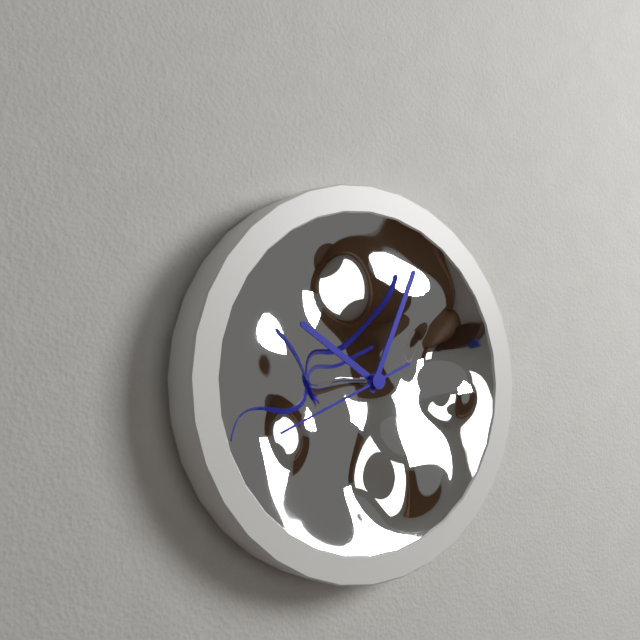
10:04:41
